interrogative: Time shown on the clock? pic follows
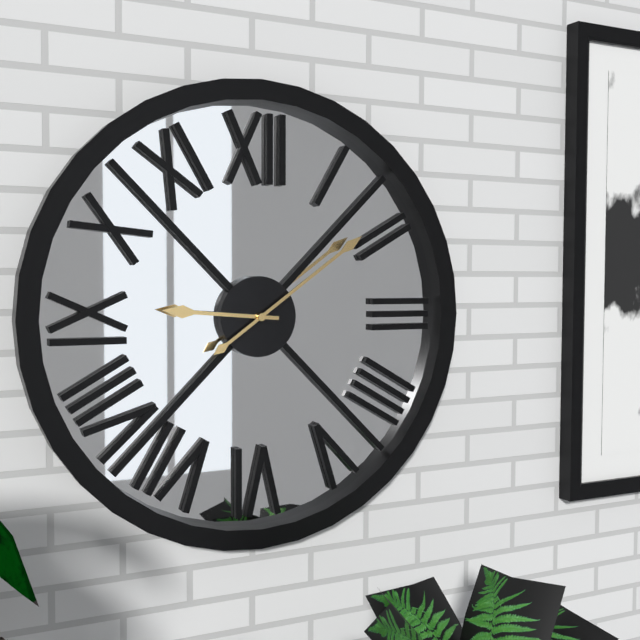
9:09
